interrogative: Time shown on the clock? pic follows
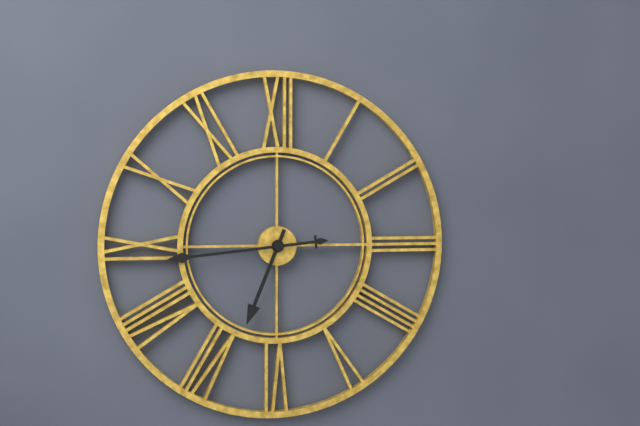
6:44
